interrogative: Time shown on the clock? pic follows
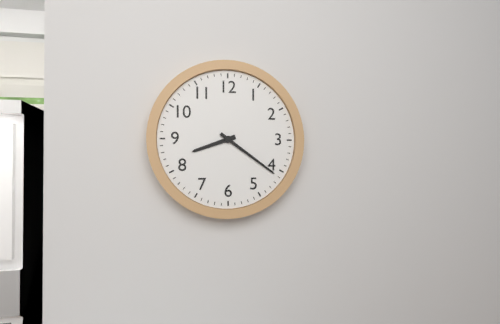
8:21
